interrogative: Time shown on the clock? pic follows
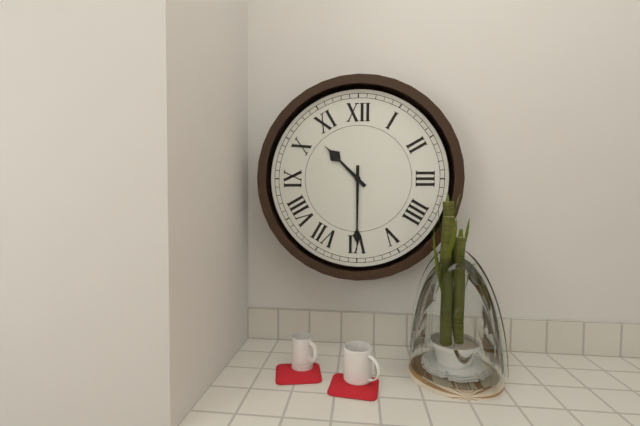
10:30
